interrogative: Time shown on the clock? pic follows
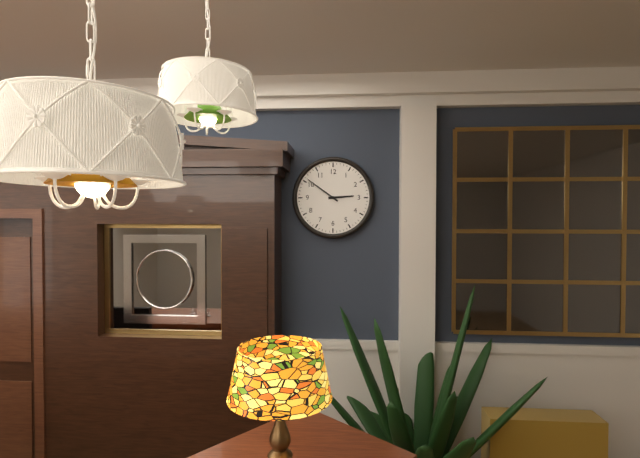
2:51
